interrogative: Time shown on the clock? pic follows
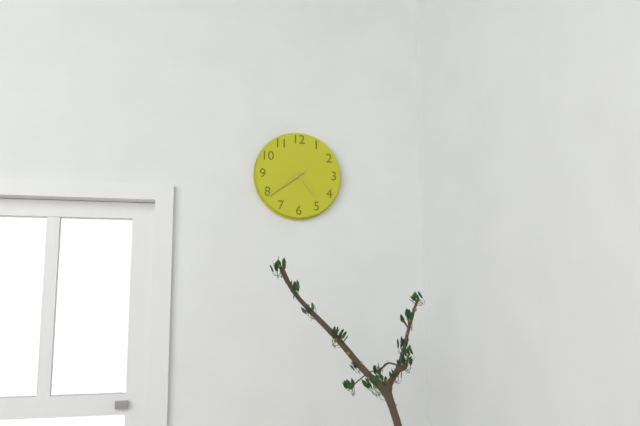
4:39
